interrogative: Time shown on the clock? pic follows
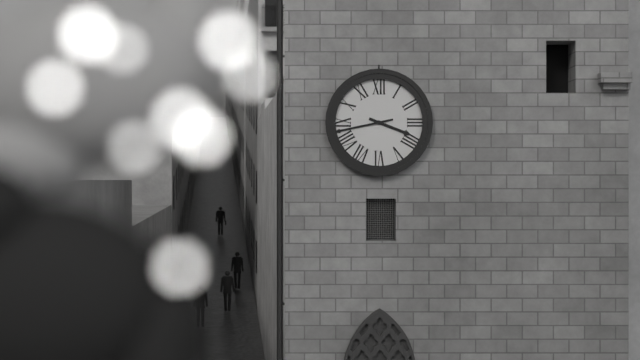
3:43
